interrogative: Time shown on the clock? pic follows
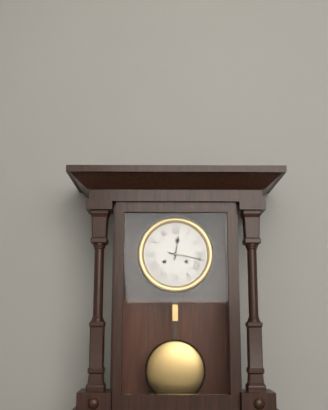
12:17
